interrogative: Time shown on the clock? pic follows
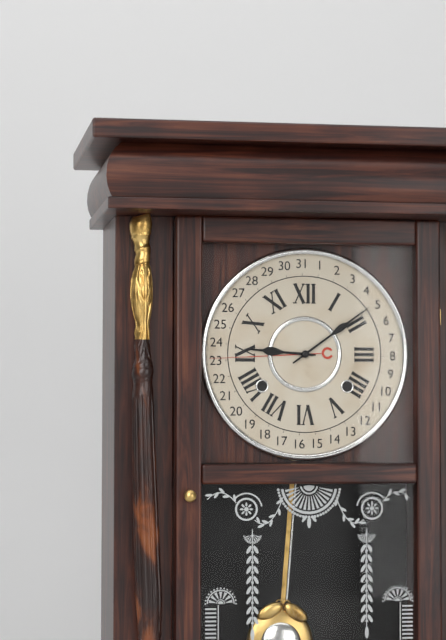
9:09
